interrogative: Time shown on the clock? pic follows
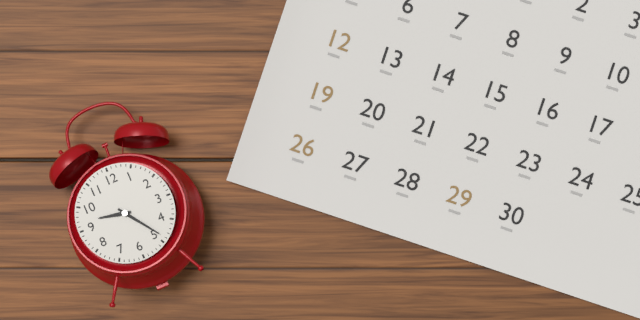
9:24
